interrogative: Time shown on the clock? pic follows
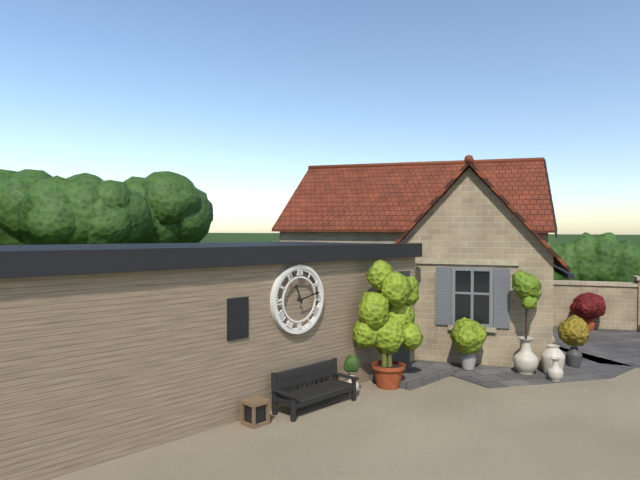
11:13
